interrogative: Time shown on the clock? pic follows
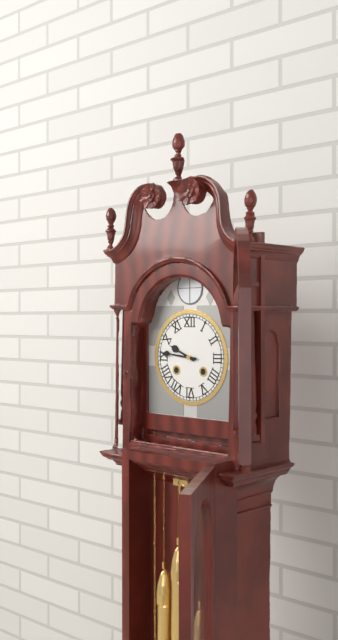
9:46
